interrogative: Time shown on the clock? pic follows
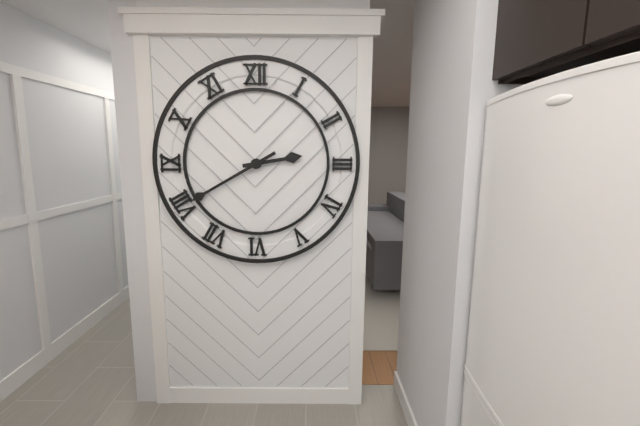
2:40
